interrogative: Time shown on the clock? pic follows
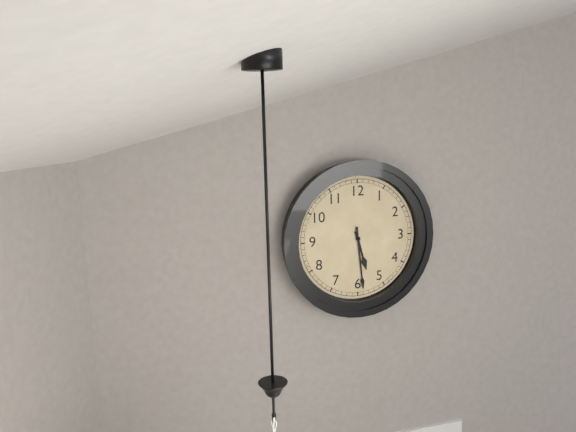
5:29
